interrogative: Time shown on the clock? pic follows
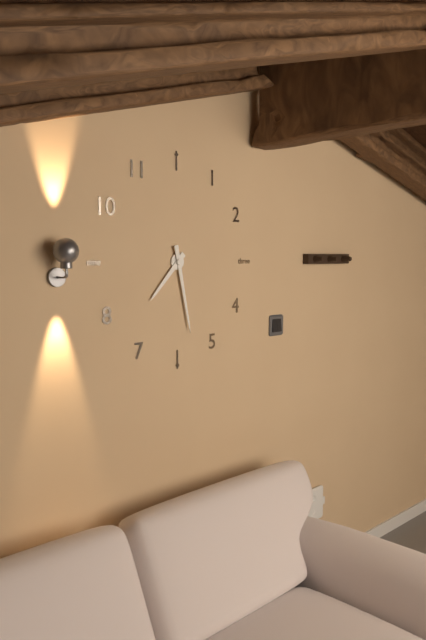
7:28
